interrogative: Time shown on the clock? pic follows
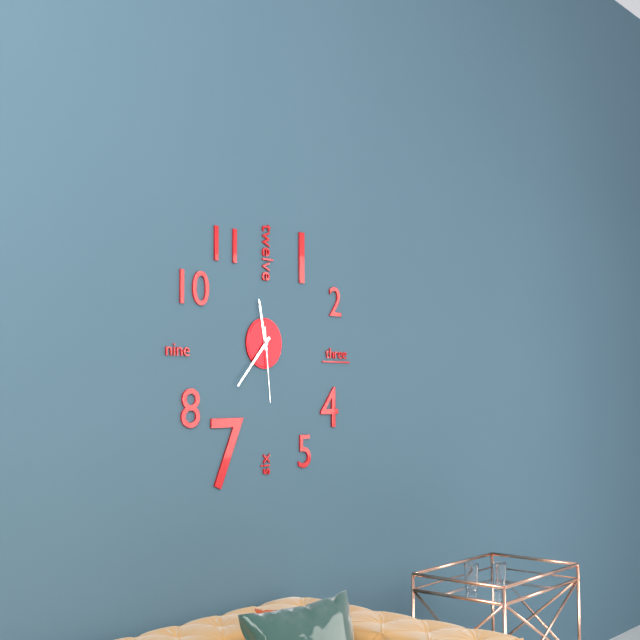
11:37:29
